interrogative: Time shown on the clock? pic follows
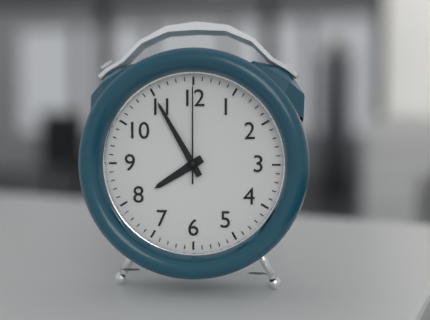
7:55:00
